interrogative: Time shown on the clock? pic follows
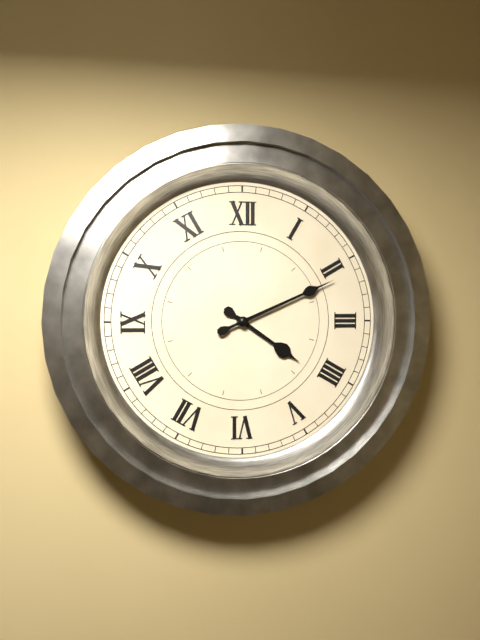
4:11
